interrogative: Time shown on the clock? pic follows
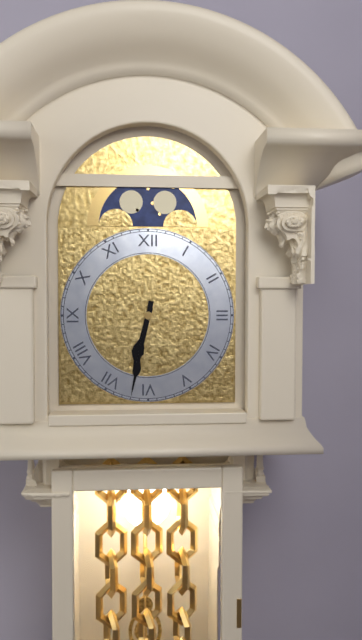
6:32
